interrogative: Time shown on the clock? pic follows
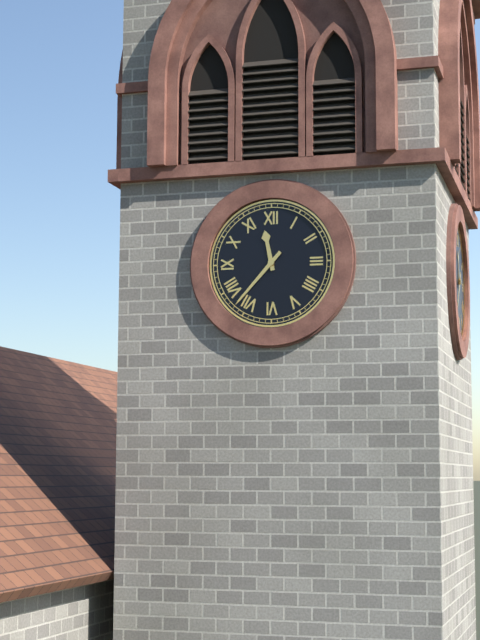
11:37
